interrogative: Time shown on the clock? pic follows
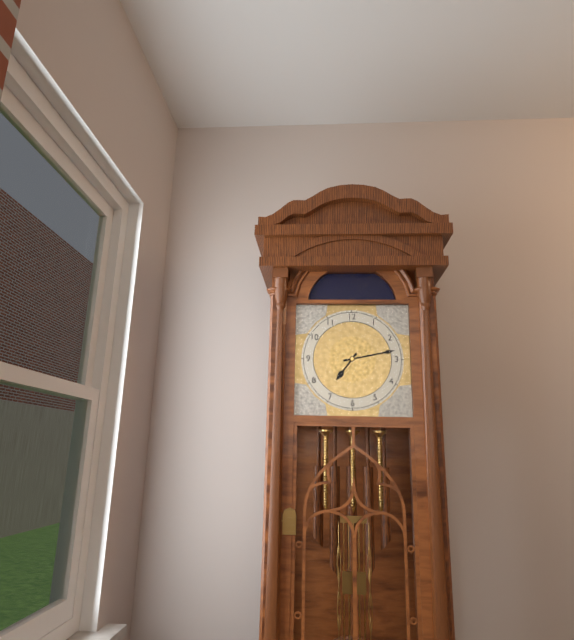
7:13
